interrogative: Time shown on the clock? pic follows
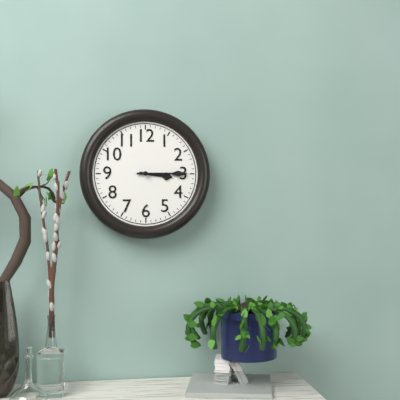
3:15
